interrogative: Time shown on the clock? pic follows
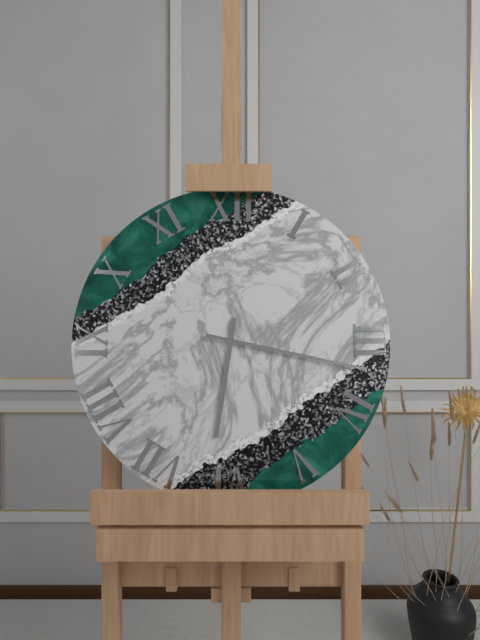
6:17
